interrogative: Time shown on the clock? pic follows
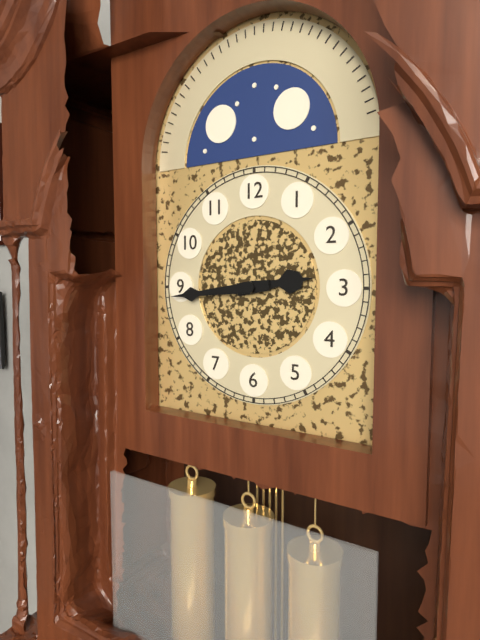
2:44
